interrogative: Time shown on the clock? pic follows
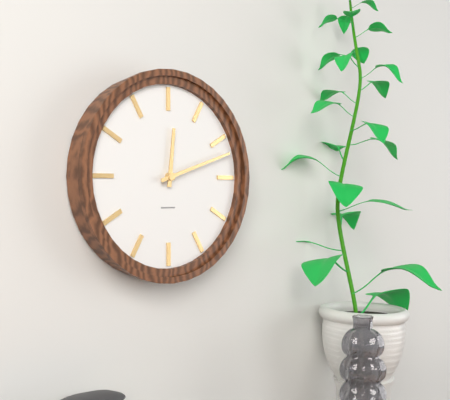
12:12
